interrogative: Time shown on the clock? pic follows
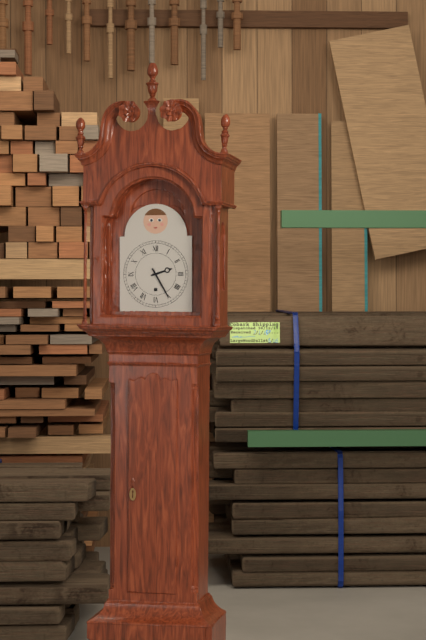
2:25
